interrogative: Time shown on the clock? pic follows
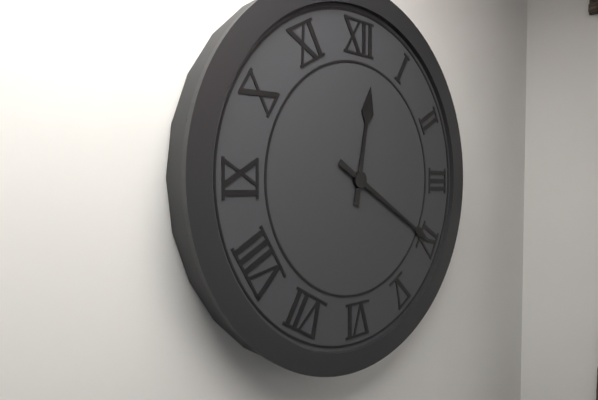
12:20
